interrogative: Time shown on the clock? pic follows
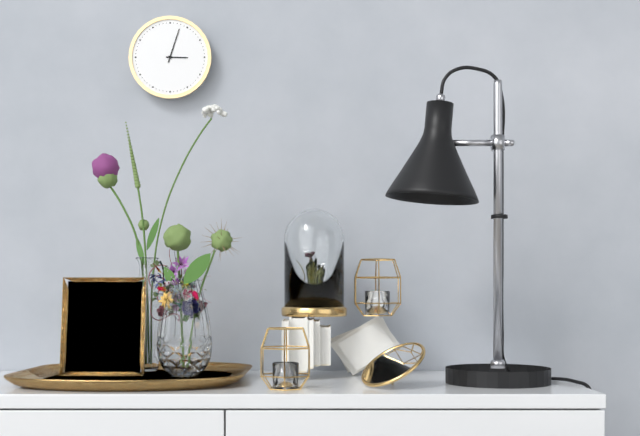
3:03
